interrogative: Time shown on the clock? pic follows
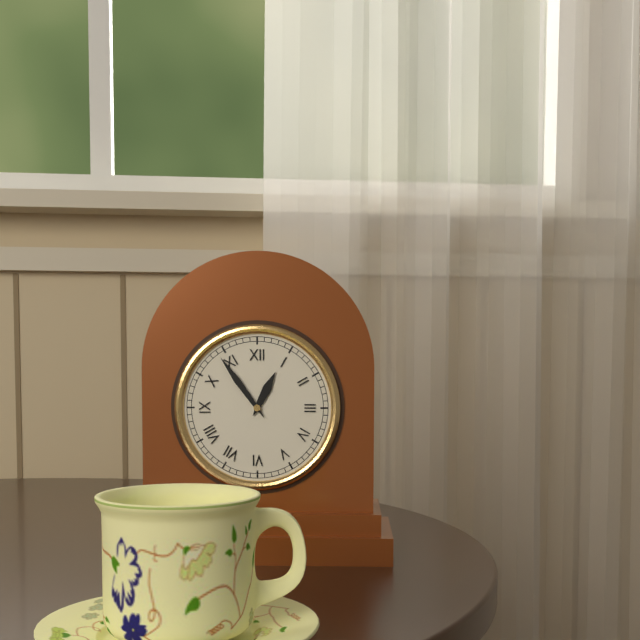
12:54
